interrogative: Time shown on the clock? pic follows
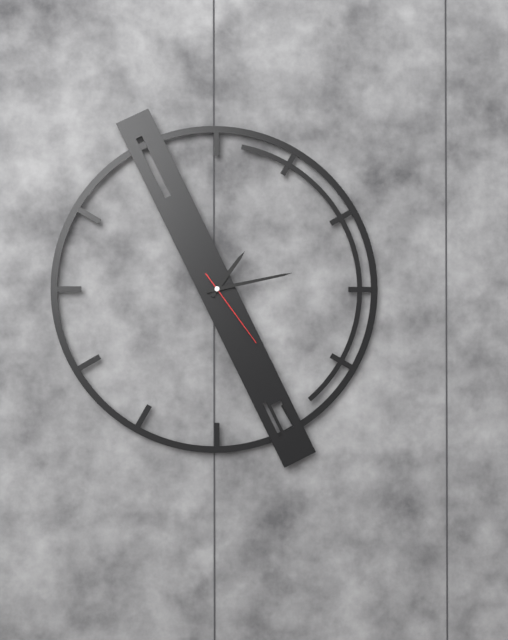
1:13:24
